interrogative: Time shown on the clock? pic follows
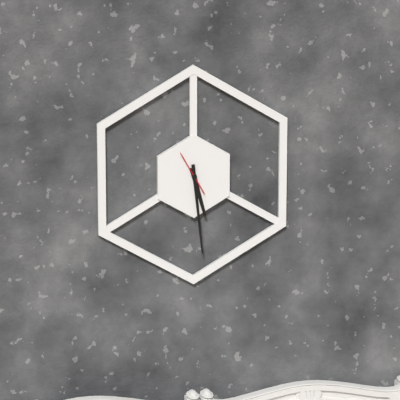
5:29
